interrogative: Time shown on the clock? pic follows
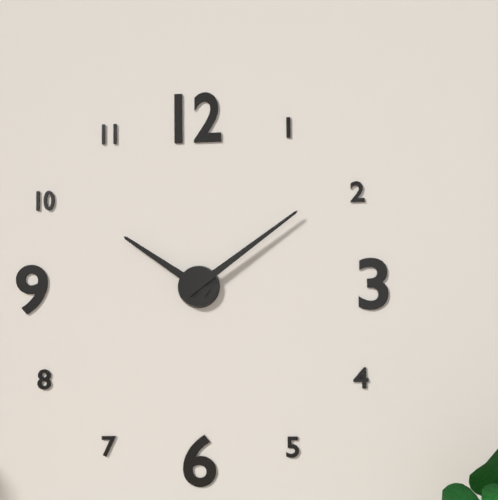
10:09
